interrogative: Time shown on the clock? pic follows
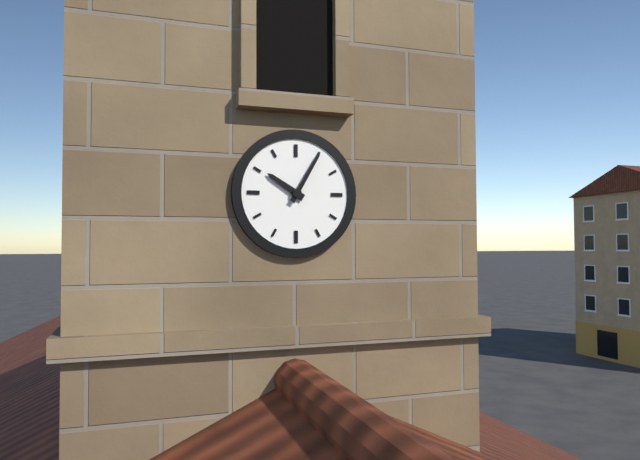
10:05
